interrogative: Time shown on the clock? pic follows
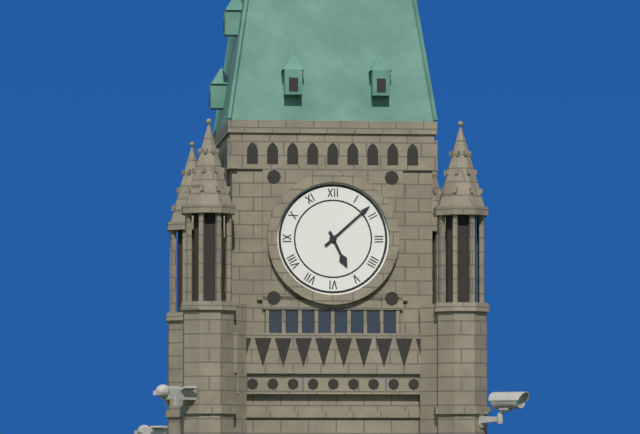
5:08
